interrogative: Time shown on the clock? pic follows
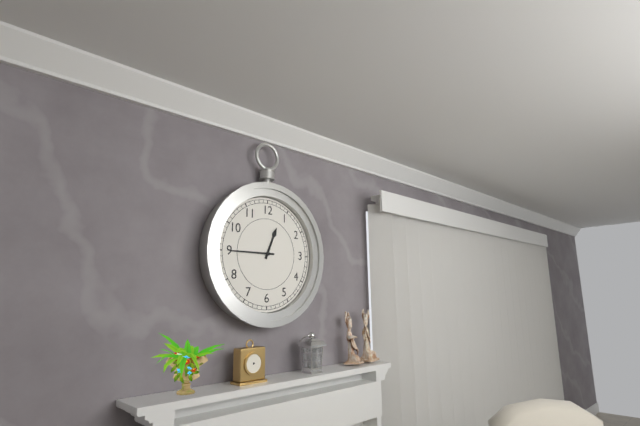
12:45
